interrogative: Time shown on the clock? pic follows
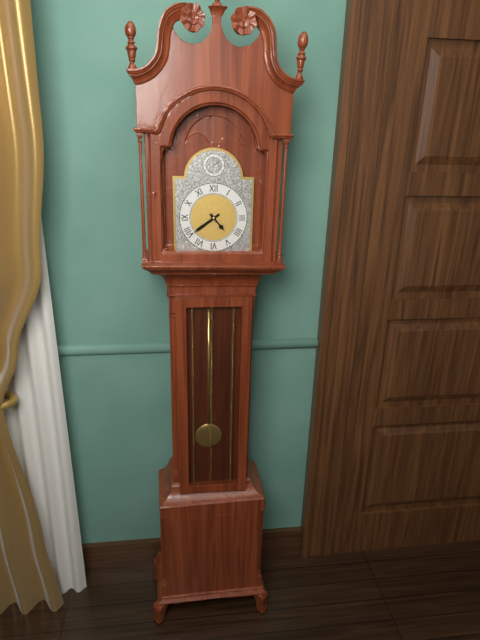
4:39
